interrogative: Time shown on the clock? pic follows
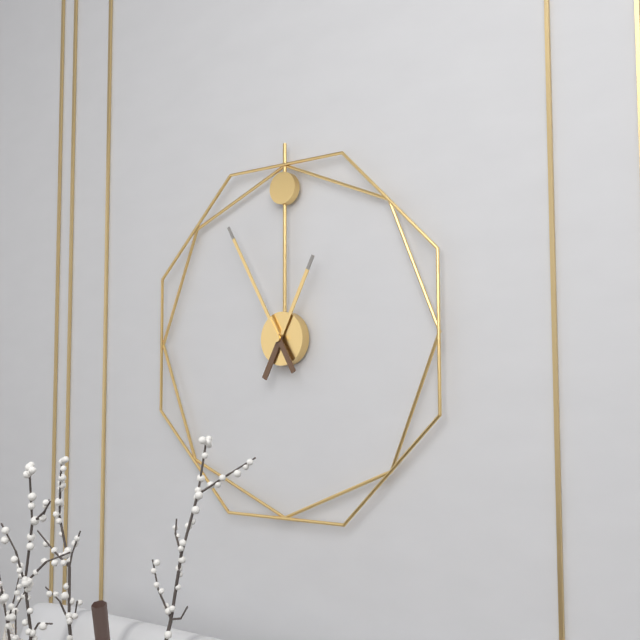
12:55
